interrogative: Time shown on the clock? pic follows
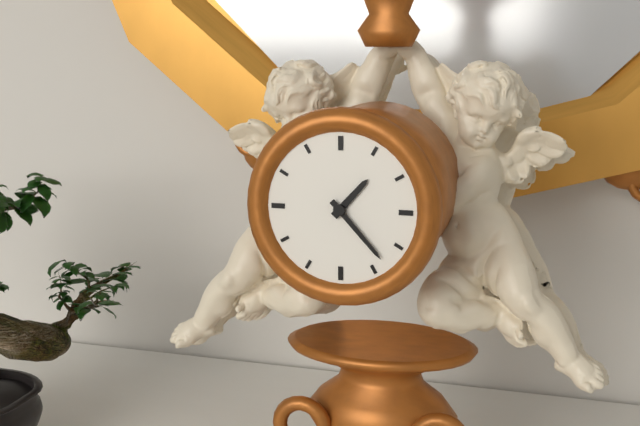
1:23
